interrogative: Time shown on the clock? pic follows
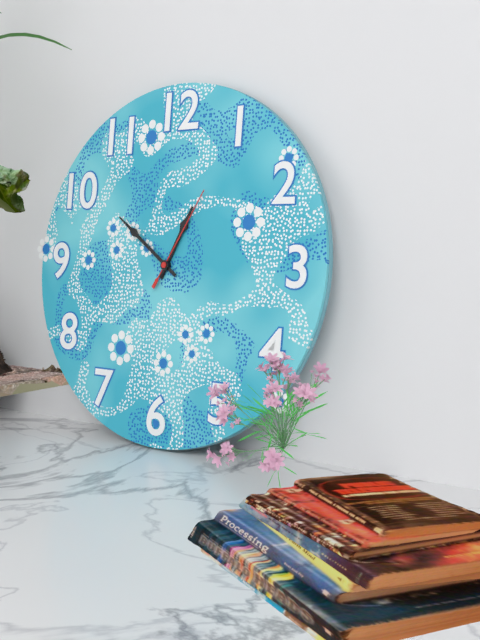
12:51:05
